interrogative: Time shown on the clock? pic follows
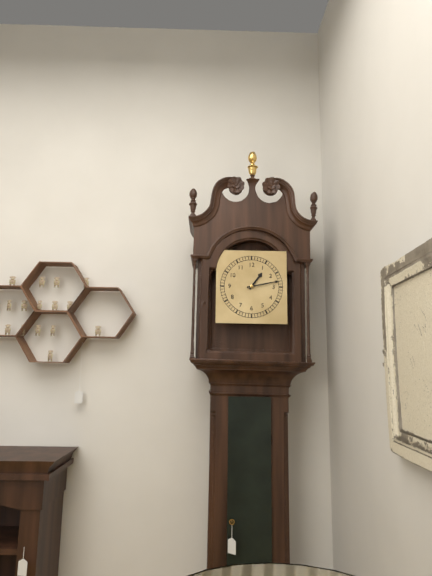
1:13
